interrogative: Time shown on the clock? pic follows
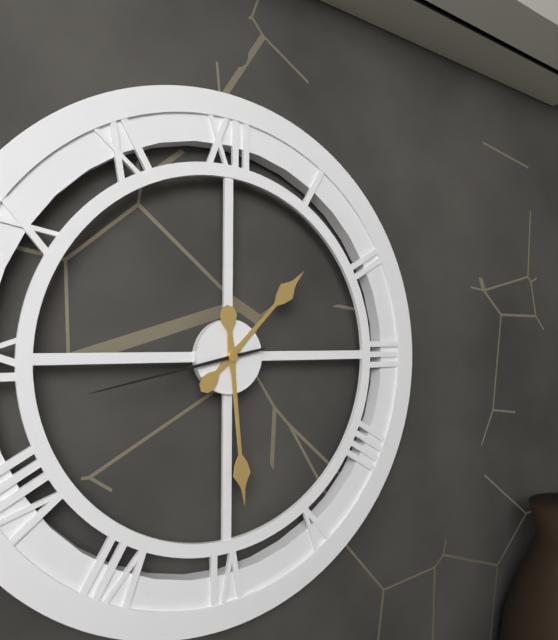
1:29:43
